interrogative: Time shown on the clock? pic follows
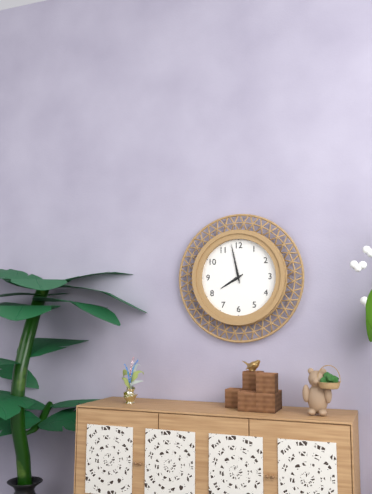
7:58
